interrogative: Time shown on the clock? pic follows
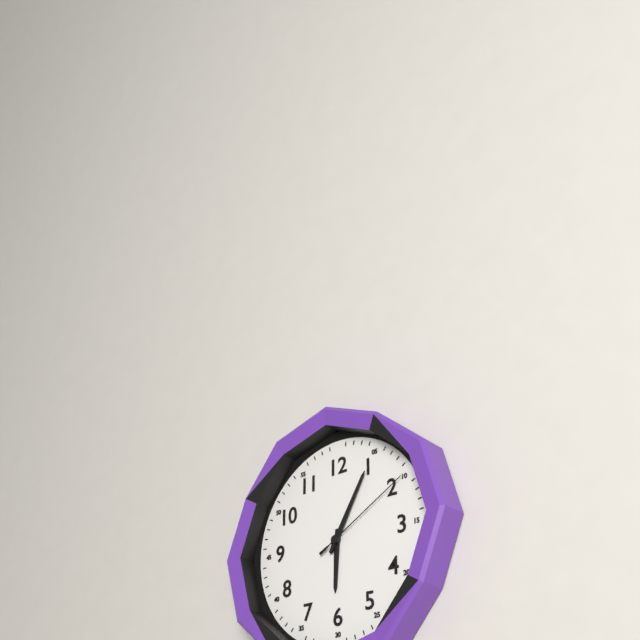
6:05:10
